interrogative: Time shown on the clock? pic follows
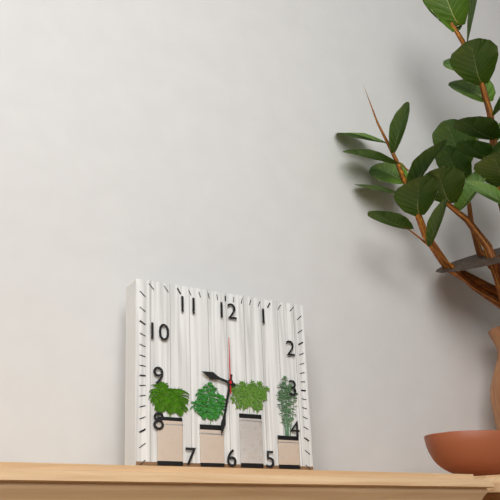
9:32:00
